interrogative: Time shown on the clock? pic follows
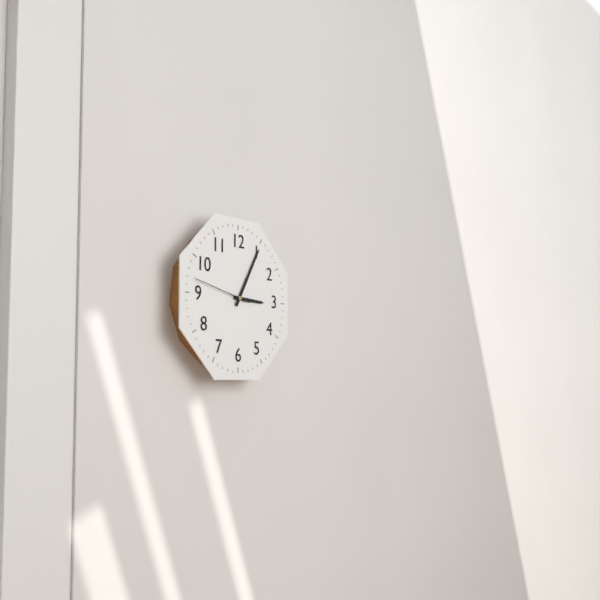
3:05:47
